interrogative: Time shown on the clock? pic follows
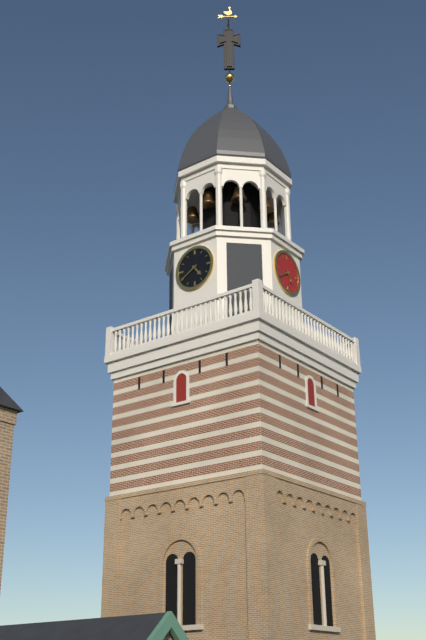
4:40
